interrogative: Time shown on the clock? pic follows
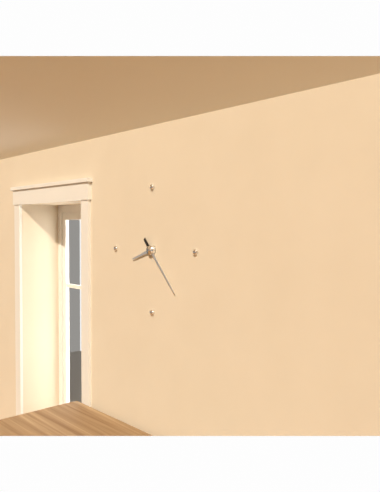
8:23
